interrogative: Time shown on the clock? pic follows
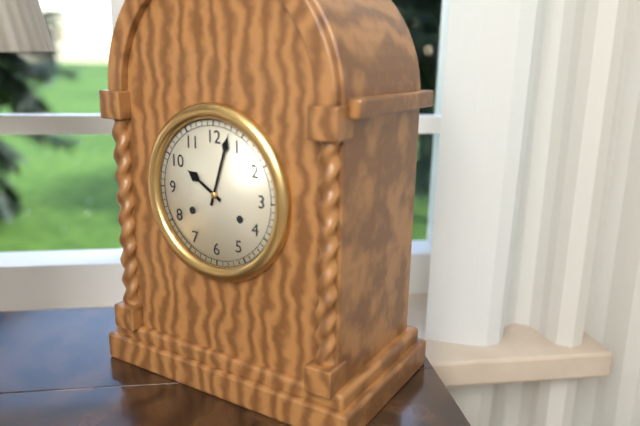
10:03
